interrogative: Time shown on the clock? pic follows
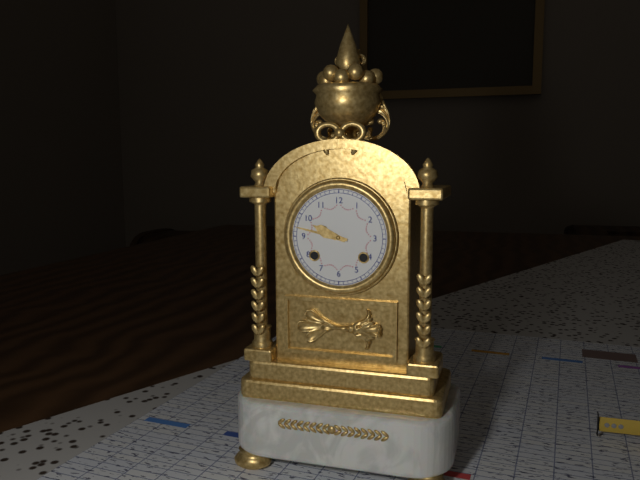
9:47
